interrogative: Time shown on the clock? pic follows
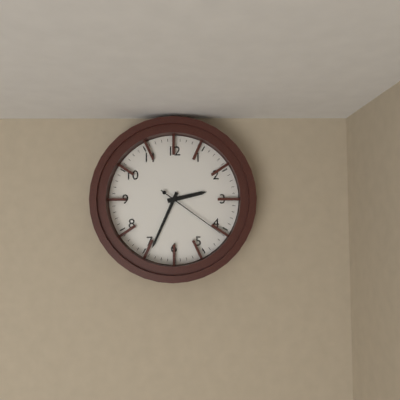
2:34:21
